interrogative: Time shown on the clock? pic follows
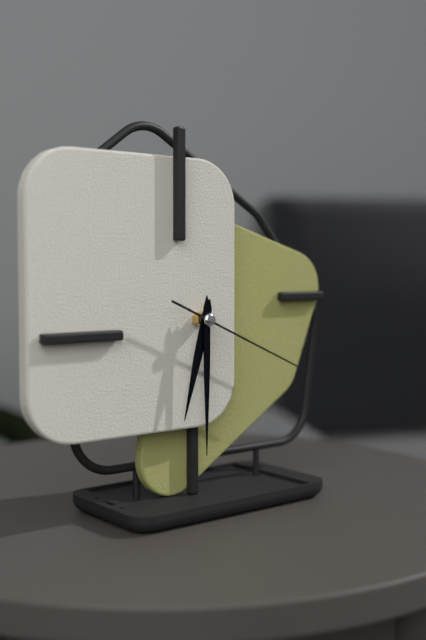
6:30:19
